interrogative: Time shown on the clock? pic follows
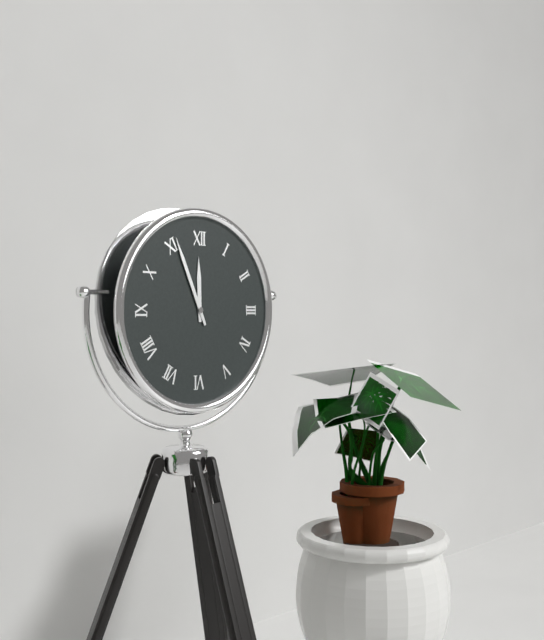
11:56
